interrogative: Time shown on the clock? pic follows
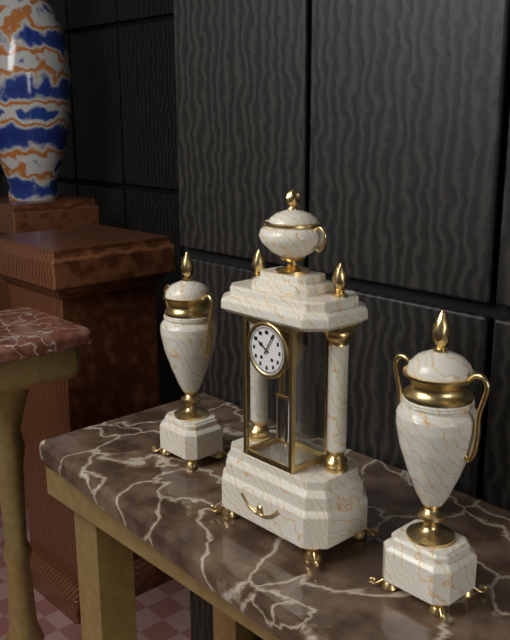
10:05
